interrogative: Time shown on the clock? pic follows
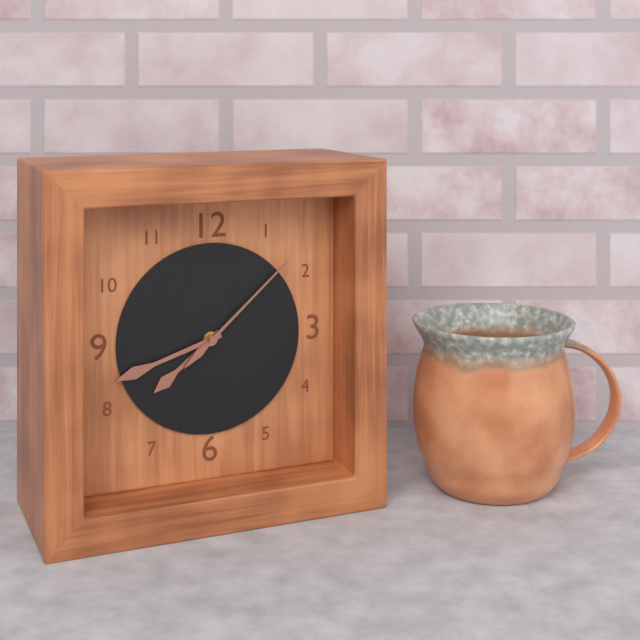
7:42:08
